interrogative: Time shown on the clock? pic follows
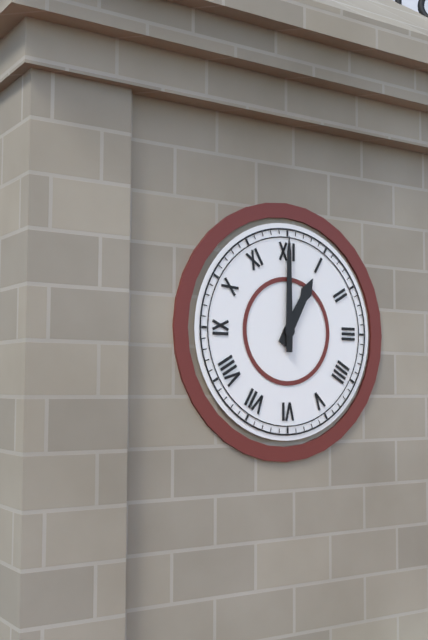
1:00
